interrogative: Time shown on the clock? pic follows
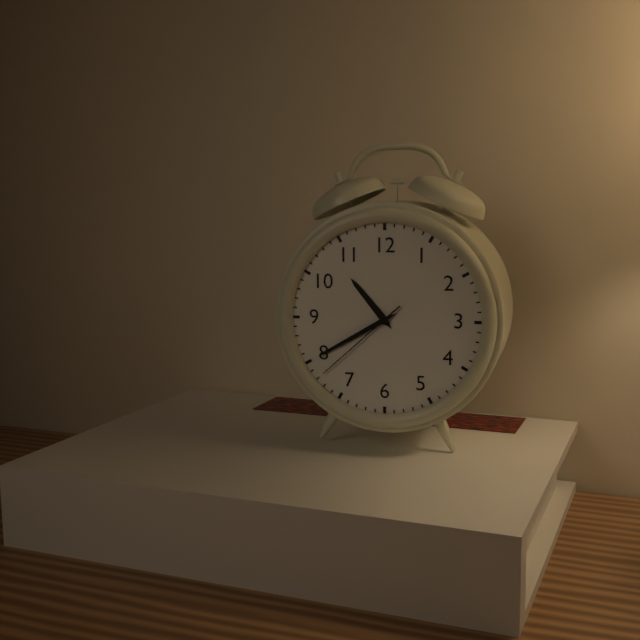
10:40:38
